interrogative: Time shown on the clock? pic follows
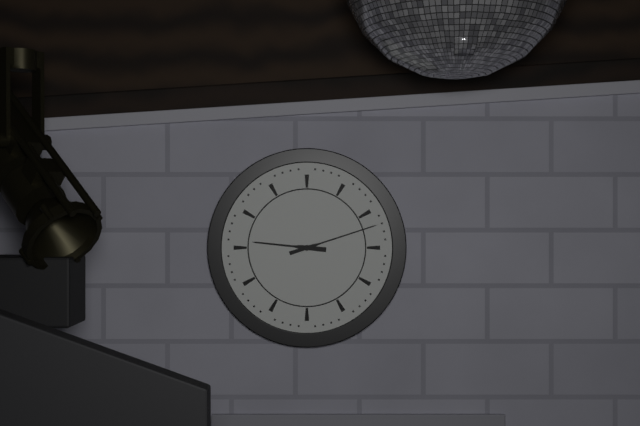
9:12
